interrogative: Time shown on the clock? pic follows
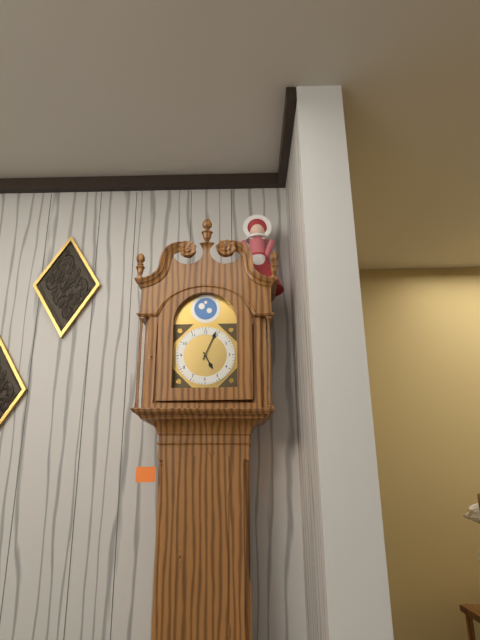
5:04
